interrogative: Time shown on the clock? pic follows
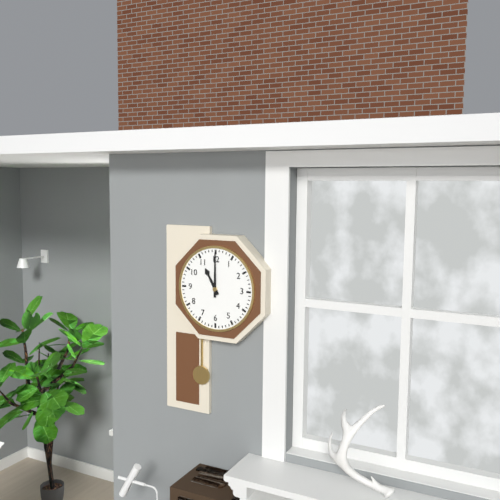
11:00
